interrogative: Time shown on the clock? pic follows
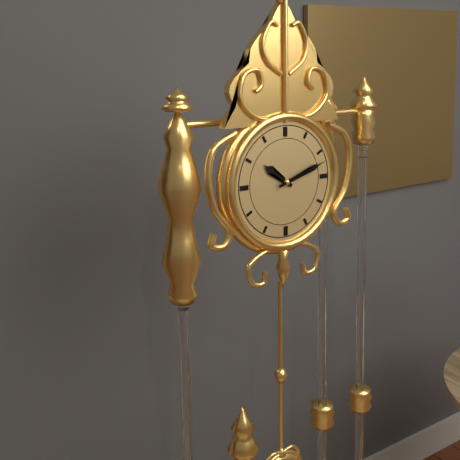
10:12
